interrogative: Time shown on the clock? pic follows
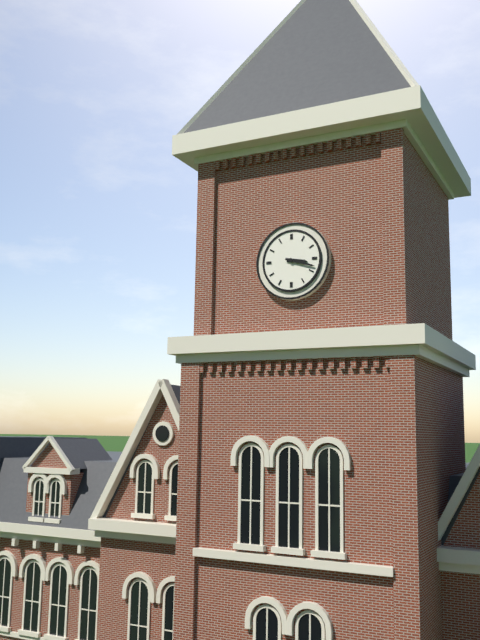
3:18
